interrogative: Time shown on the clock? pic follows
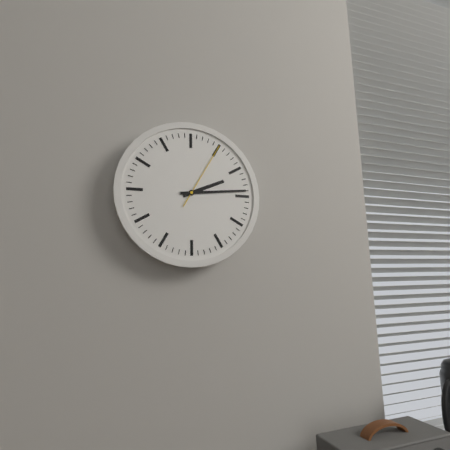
2:14:05
